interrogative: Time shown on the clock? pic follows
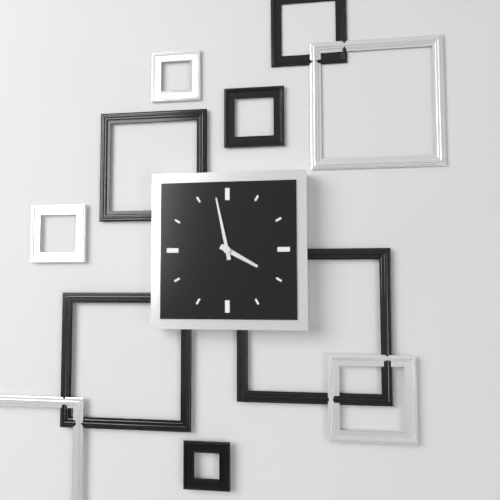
3:58
